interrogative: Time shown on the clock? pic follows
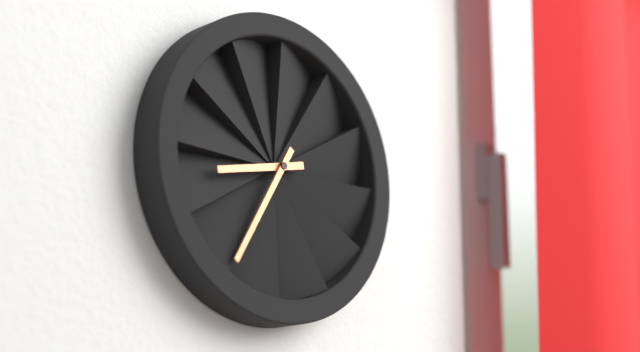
8:35
